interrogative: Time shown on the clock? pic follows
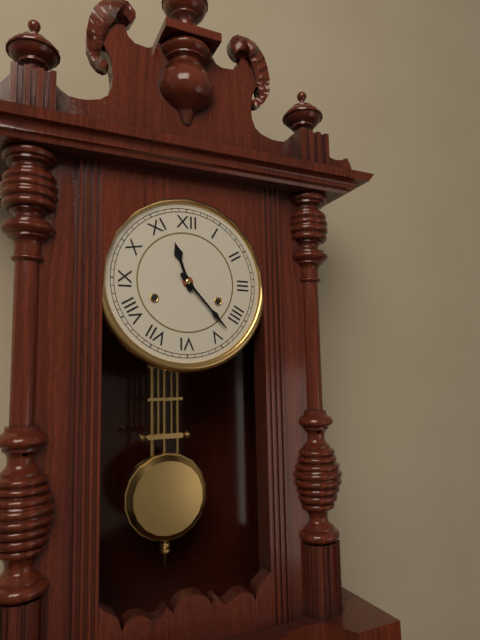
11:23
